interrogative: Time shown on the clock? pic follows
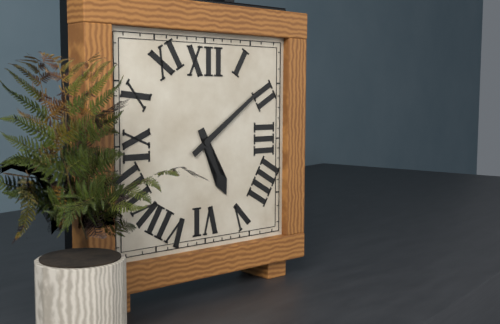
5:09
